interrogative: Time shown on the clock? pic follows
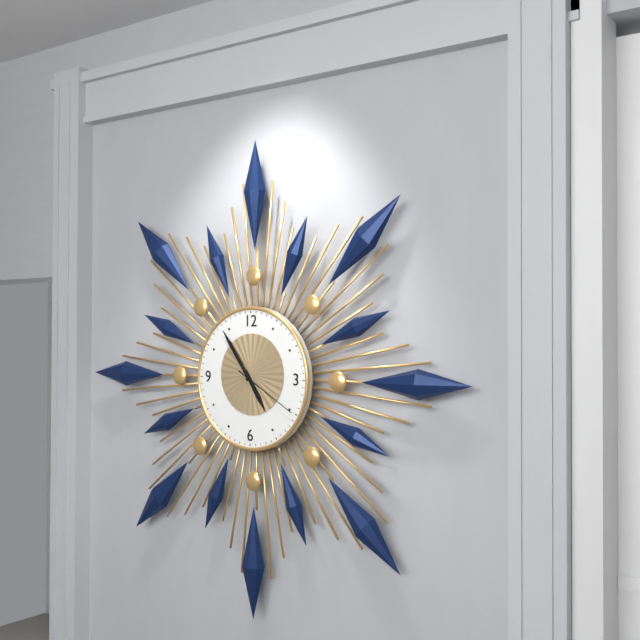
4:54:20
